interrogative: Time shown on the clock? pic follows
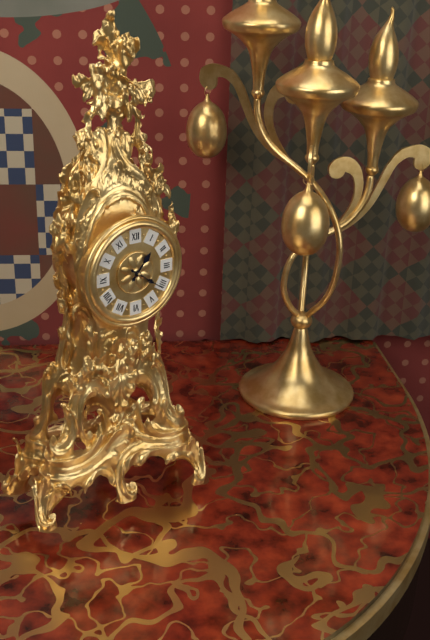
1:21
